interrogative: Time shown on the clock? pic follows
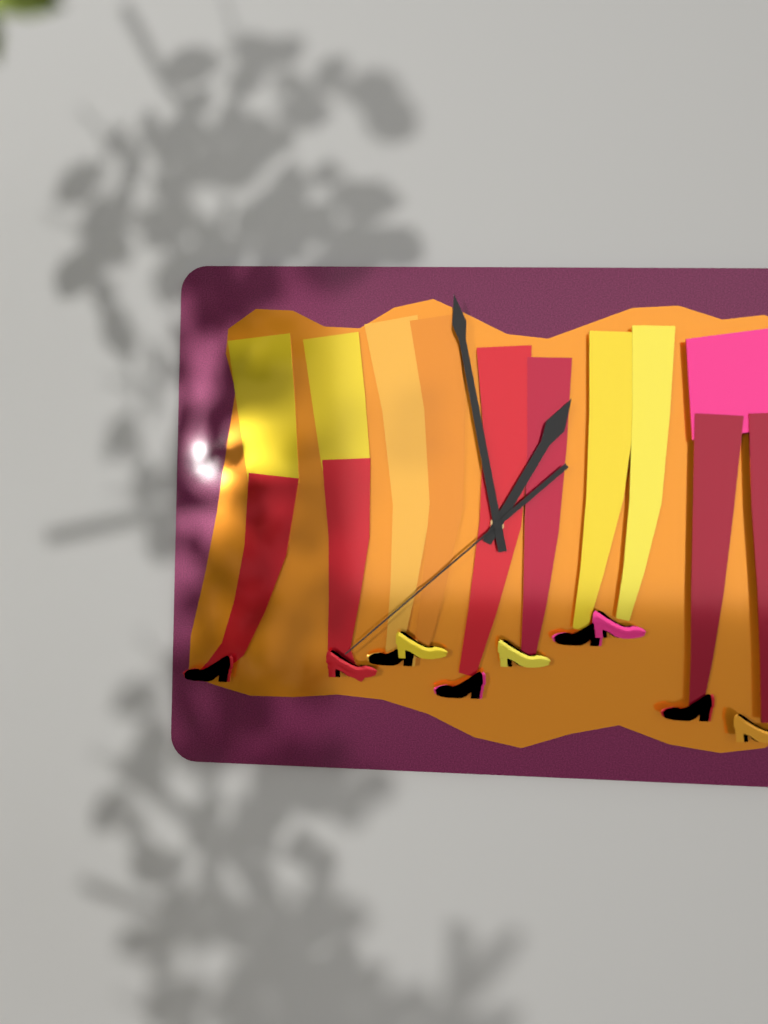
12:58:38
